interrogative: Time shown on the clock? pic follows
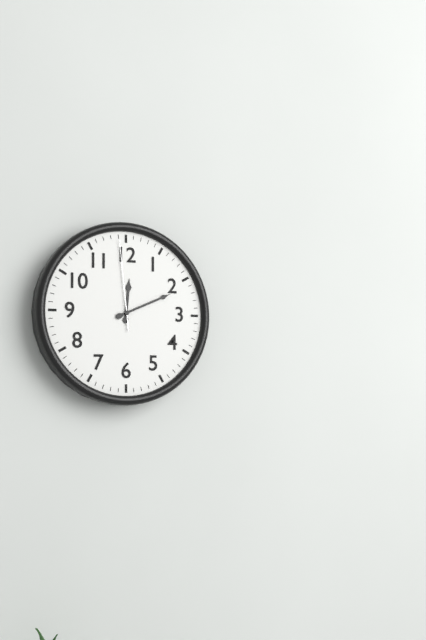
12:11:59
